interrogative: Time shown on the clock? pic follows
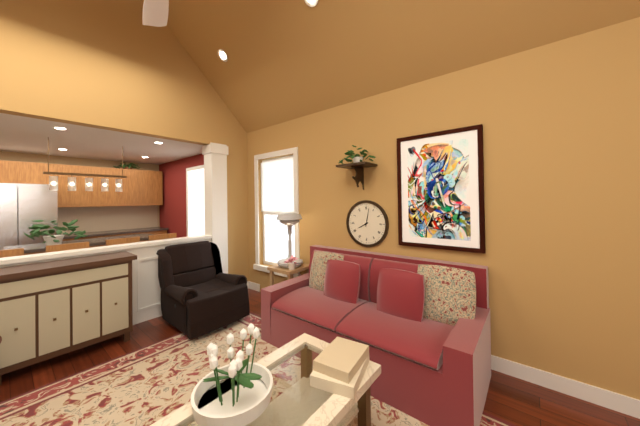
8:02
